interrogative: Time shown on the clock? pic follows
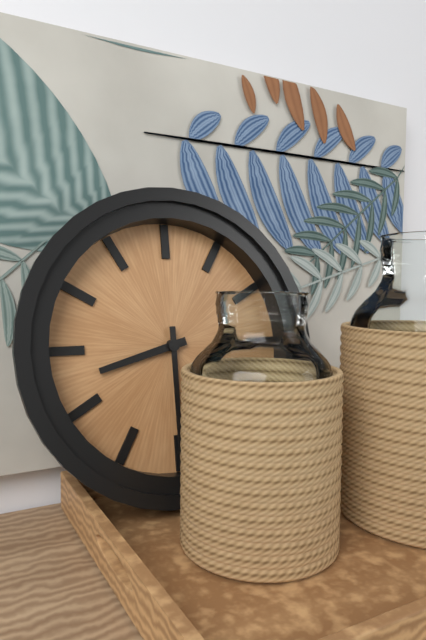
8:30
